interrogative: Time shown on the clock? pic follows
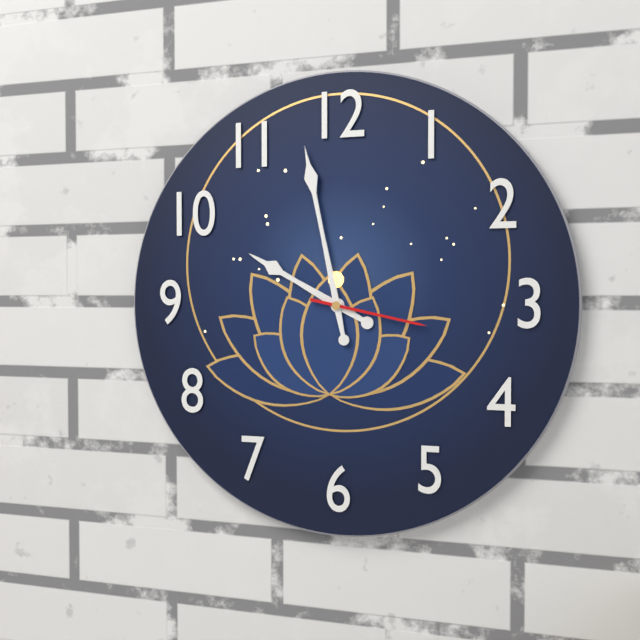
9:58:17
